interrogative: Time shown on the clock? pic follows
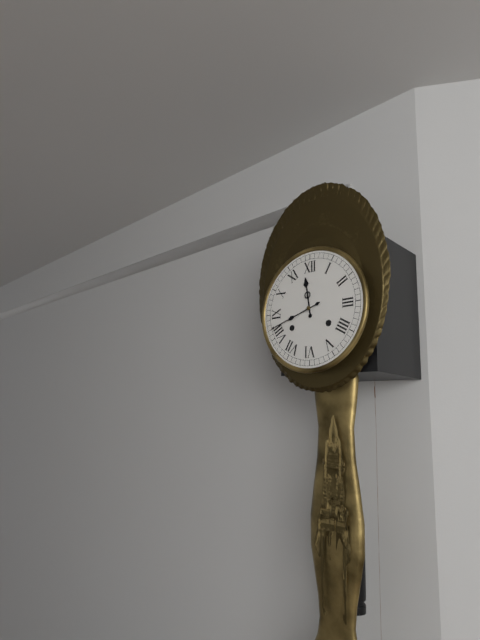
11:42
